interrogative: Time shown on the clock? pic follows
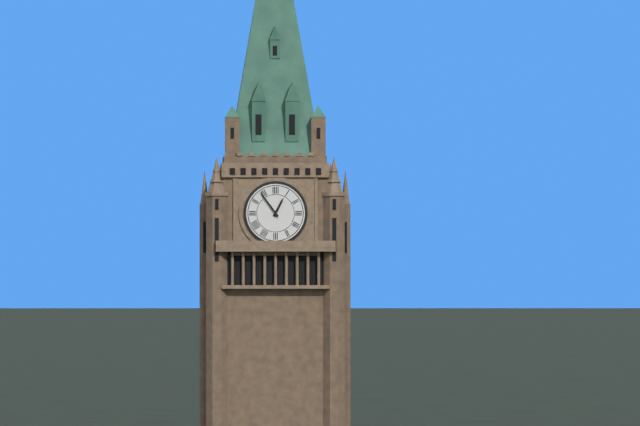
12:54
